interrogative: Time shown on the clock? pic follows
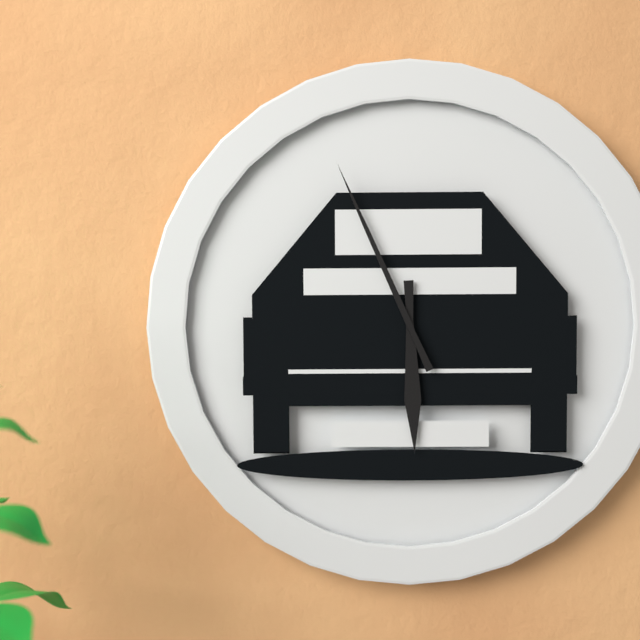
5:56
